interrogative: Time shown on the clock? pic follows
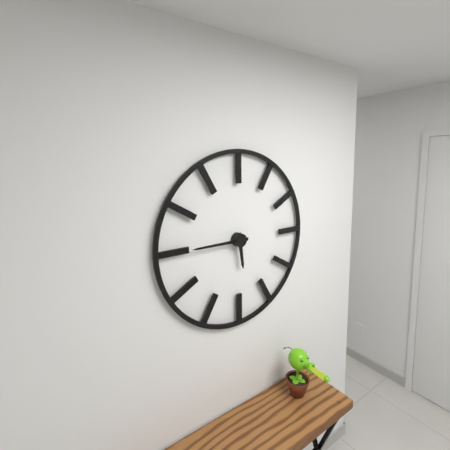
5:45
